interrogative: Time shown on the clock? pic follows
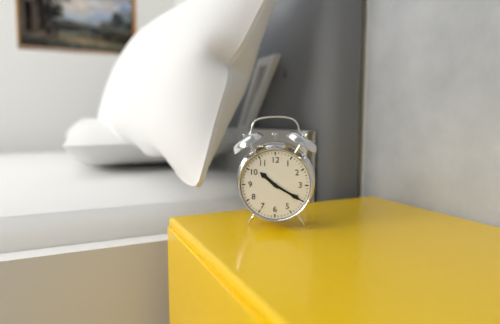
10:20
